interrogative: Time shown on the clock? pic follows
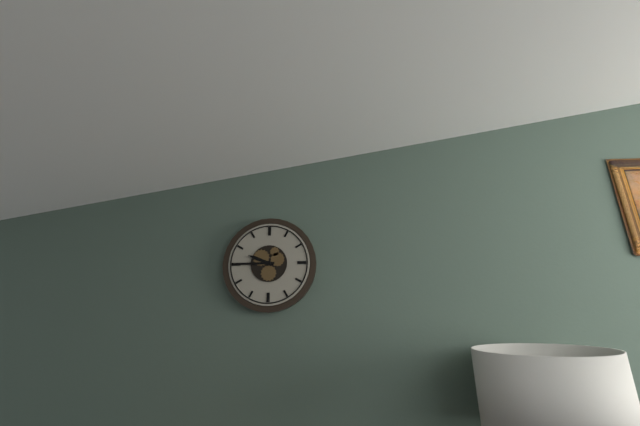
9:45
